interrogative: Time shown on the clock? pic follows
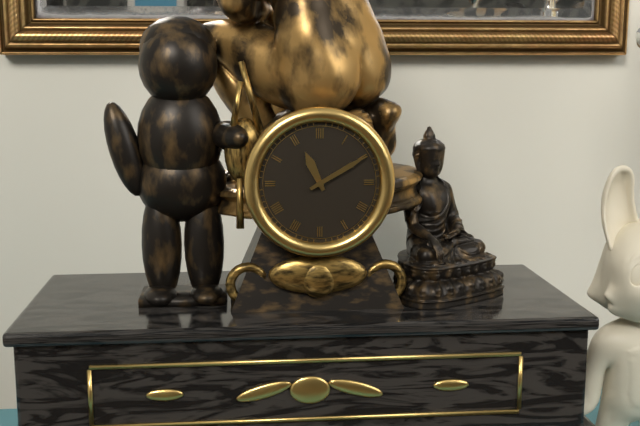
11:10
